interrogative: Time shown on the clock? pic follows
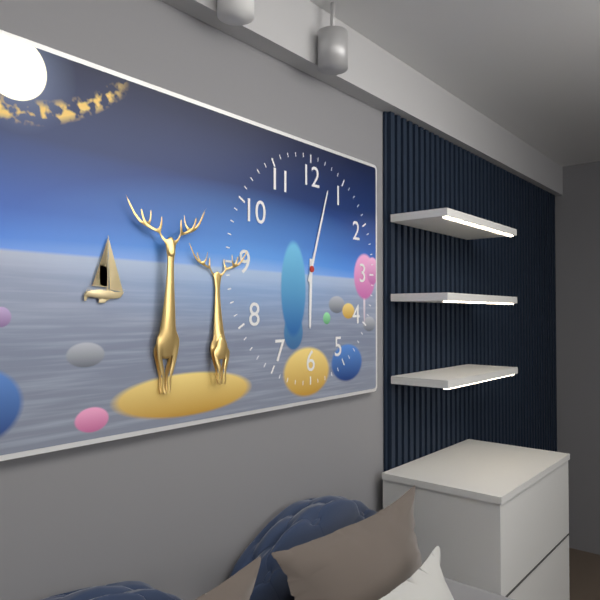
6:03
